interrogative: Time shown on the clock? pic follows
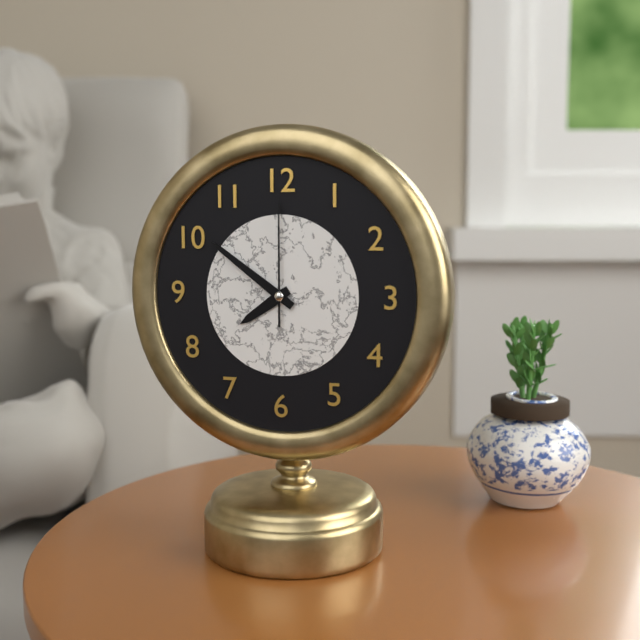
7:51:00
